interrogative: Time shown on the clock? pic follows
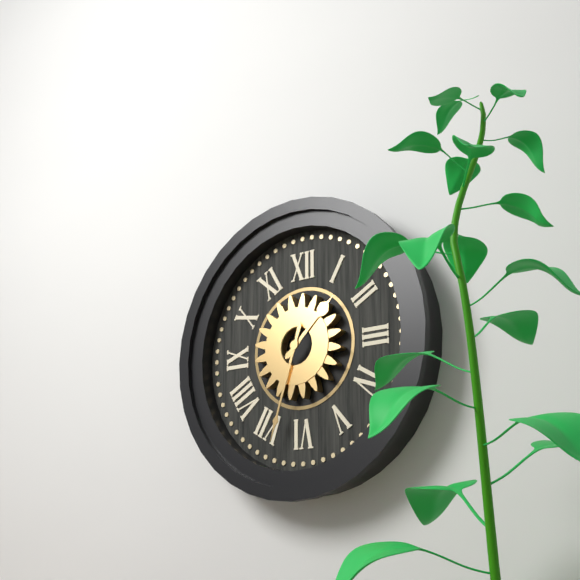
1:33
